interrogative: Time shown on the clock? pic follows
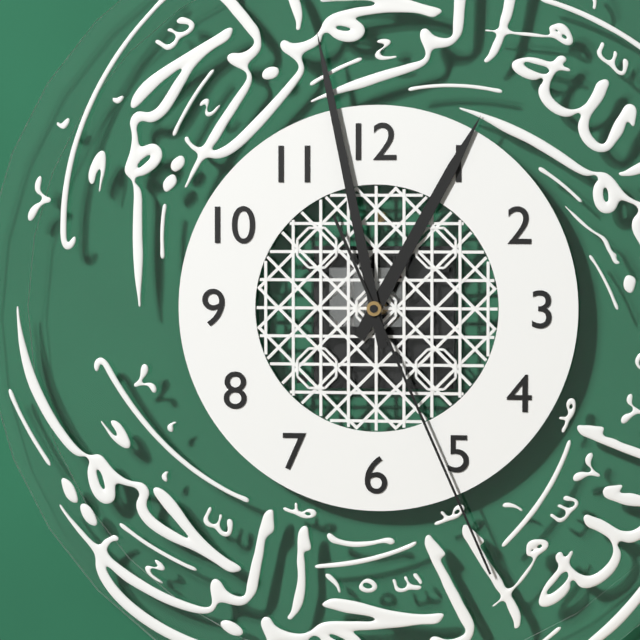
12:58:26
